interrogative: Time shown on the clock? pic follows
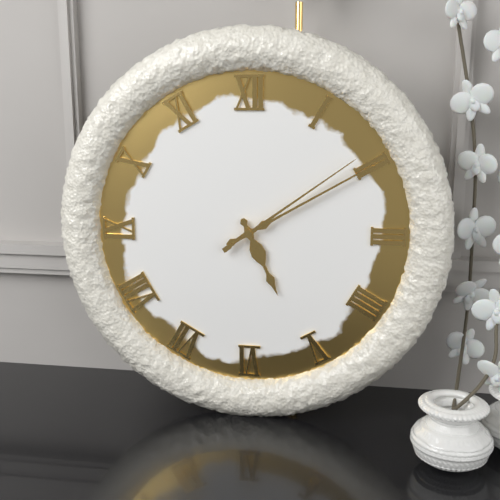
5:10:09
